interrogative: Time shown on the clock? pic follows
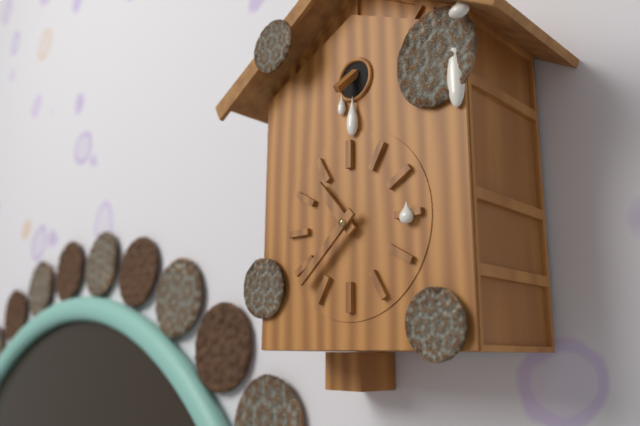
10:38
